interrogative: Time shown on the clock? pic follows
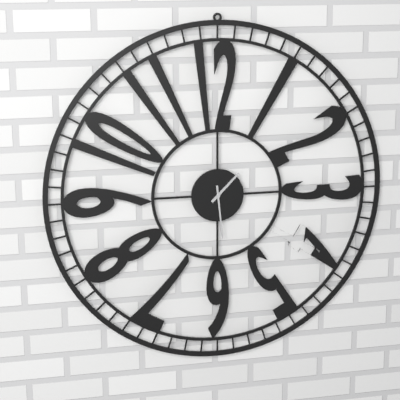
1:29
